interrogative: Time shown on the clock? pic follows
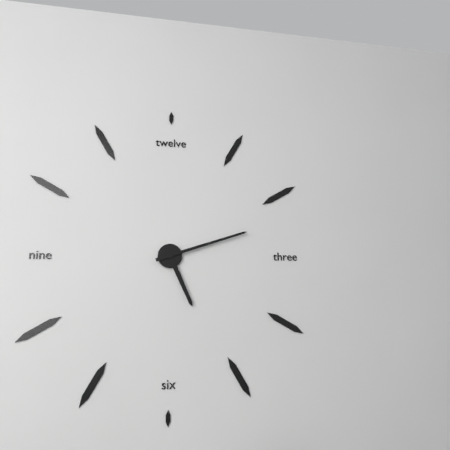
5:12
